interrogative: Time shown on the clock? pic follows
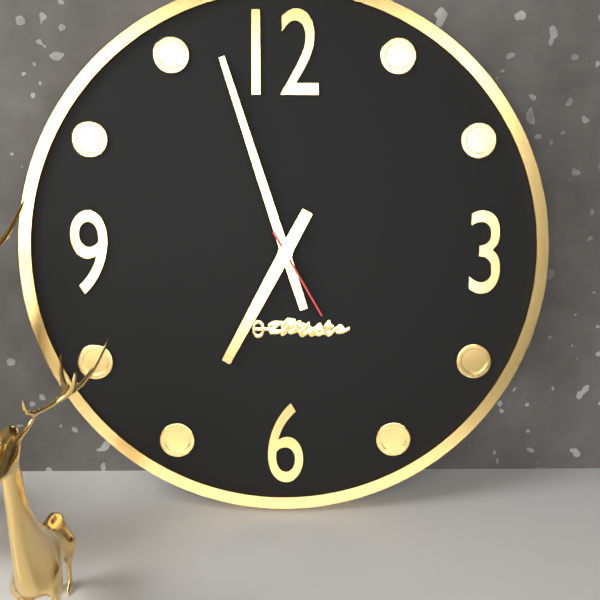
6:57:25
